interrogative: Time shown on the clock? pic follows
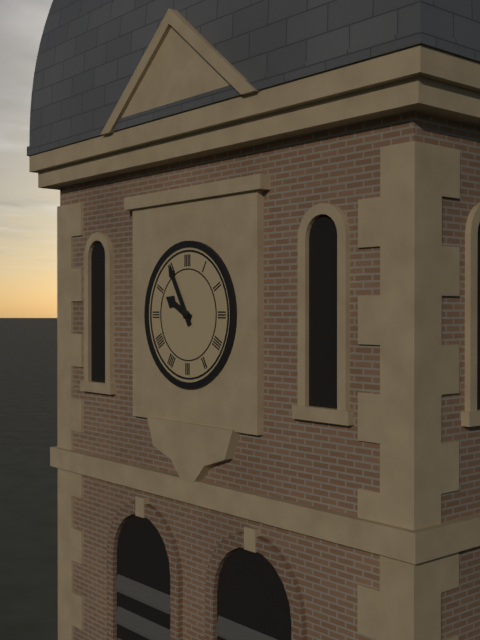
9:55
